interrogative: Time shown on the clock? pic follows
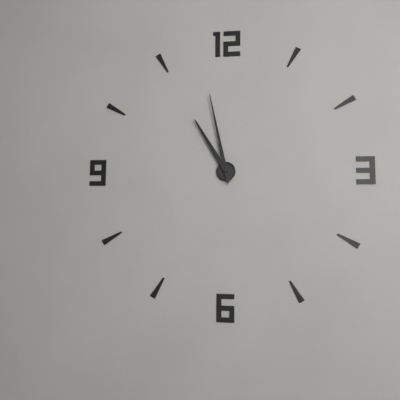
10:58
